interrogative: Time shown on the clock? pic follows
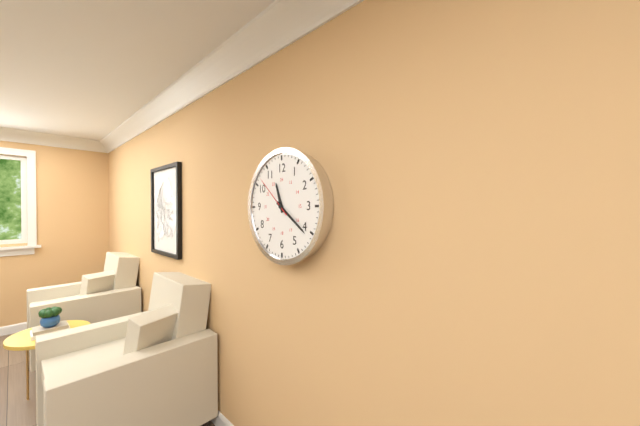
11:21
